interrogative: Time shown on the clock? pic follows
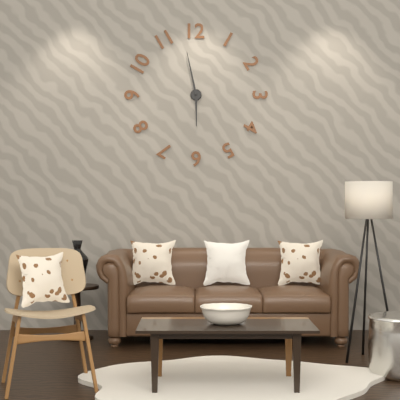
5:58
